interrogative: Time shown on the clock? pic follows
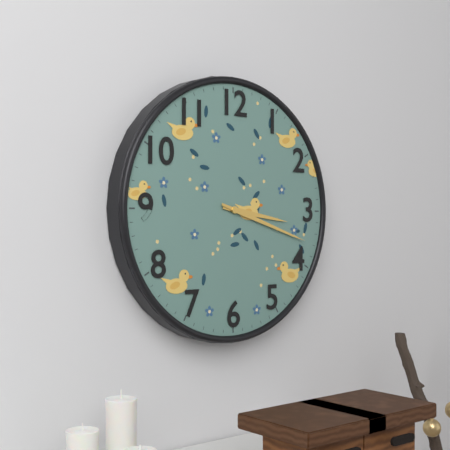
3:18
